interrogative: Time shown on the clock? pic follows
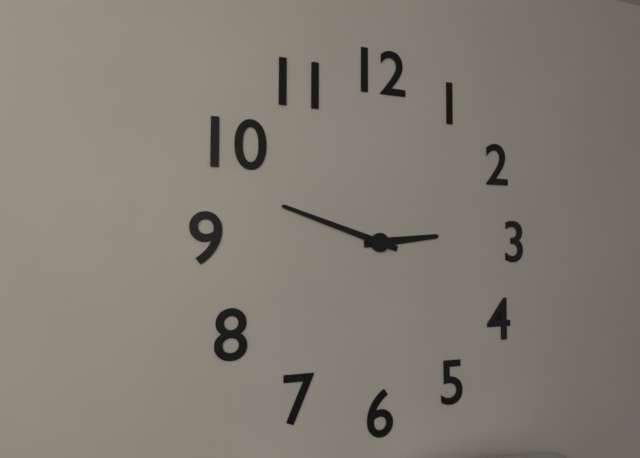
2:48
